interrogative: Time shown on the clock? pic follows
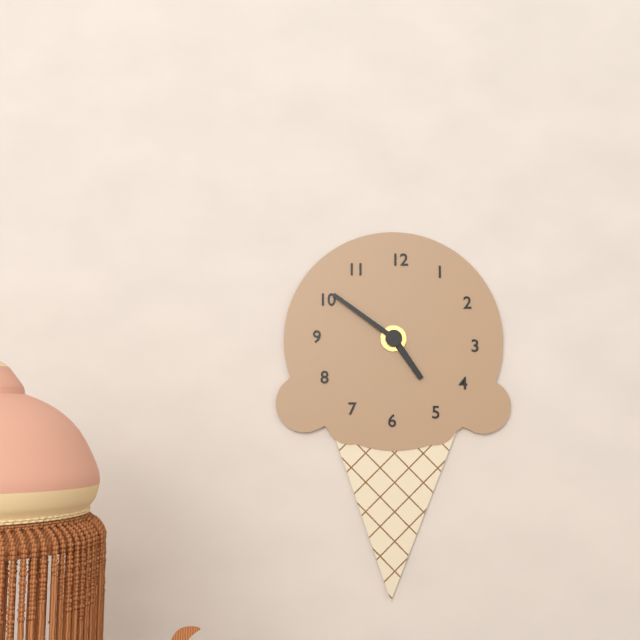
4:51
